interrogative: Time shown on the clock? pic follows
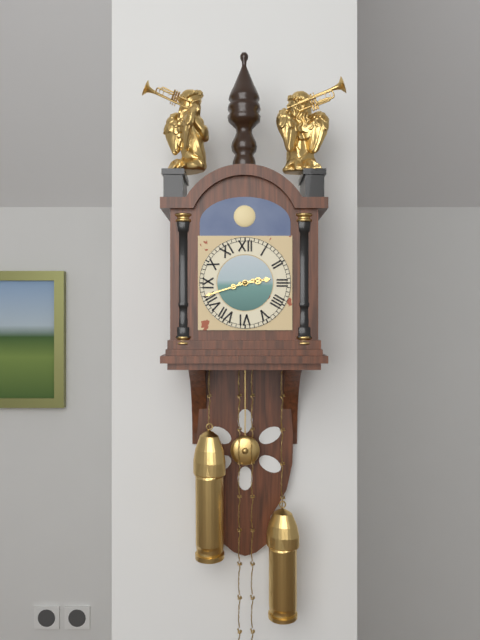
2:42
